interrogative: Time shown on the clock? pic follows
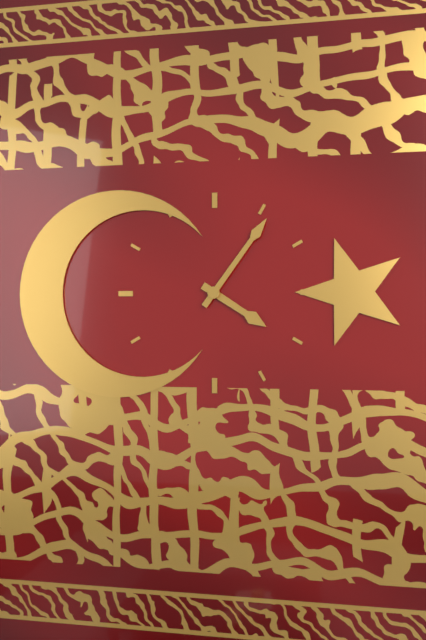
4:06
